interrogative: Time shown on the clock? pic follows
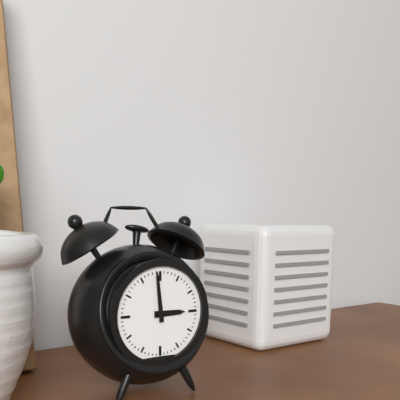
2:59
